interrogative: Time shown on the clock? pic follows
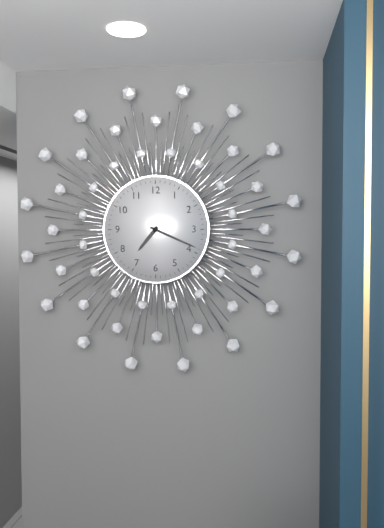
7:19
